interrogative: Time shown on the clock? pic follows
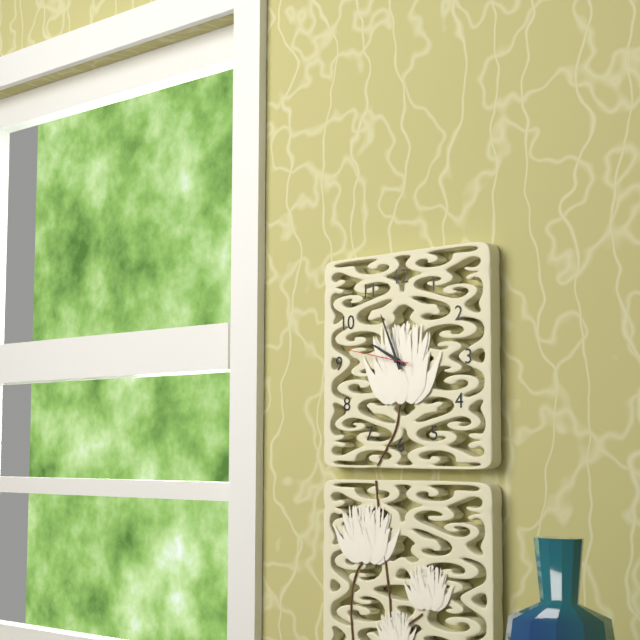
9:56:47
